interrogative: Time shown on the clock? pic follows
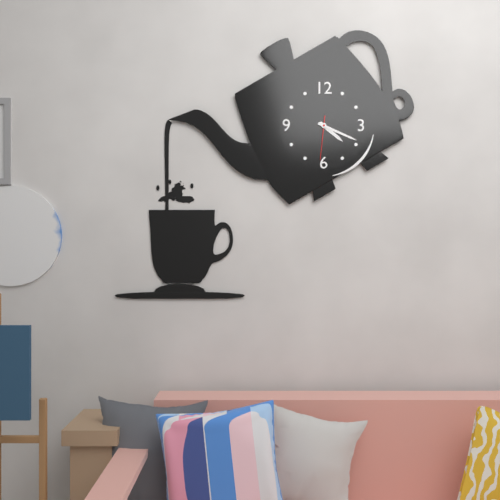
4:19
